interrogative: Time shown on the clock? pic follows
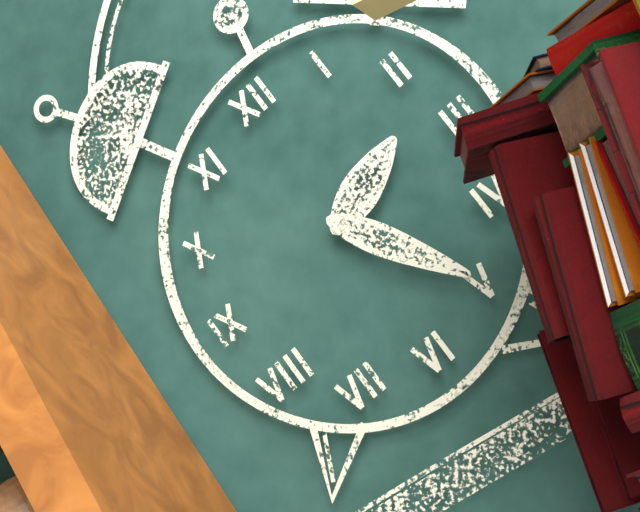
2:25
